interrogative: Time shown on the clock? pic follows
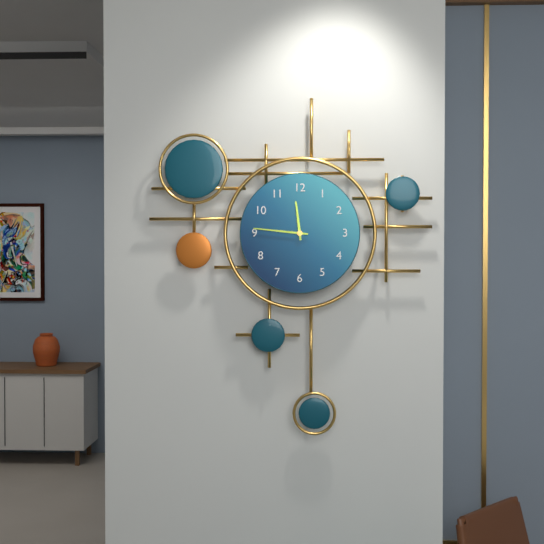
11:46
